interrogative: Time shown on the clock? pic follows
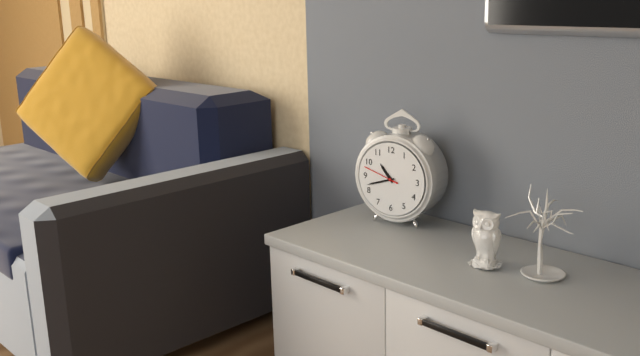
10:42
